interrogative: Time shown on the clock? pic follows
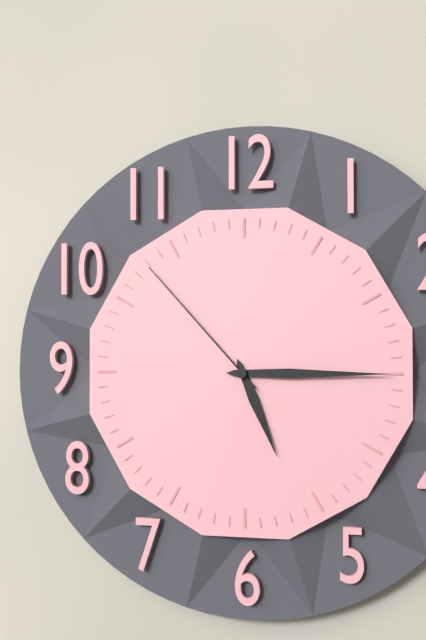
5:15:53
